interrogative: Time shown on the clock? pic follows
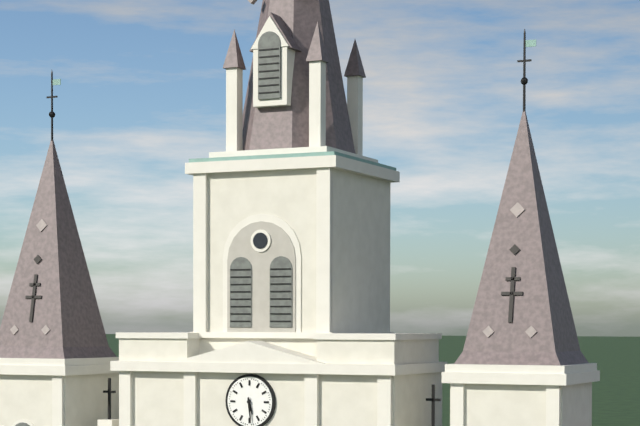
5:29
